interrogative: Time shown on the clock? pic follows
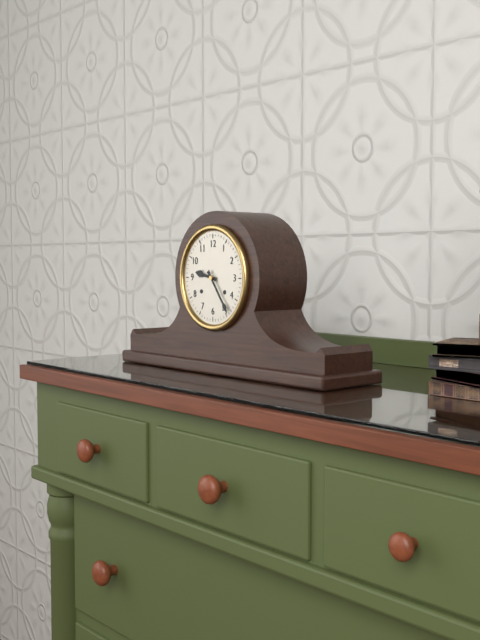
9:24
